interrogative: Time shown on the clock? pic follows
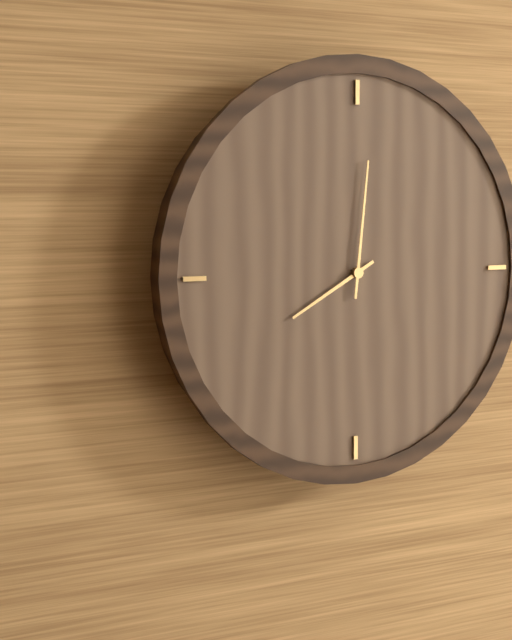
8:01
